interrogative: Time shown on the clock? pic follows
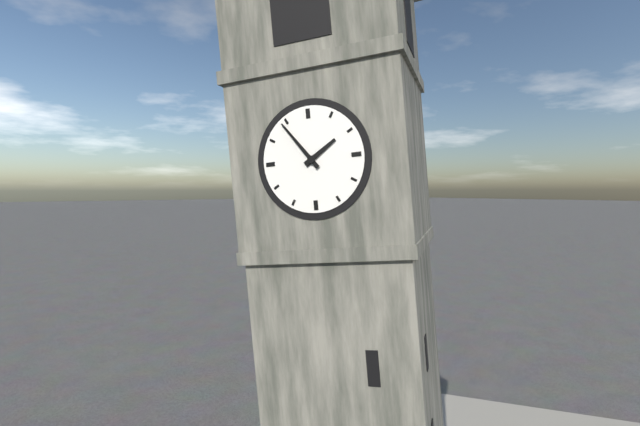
1:54
